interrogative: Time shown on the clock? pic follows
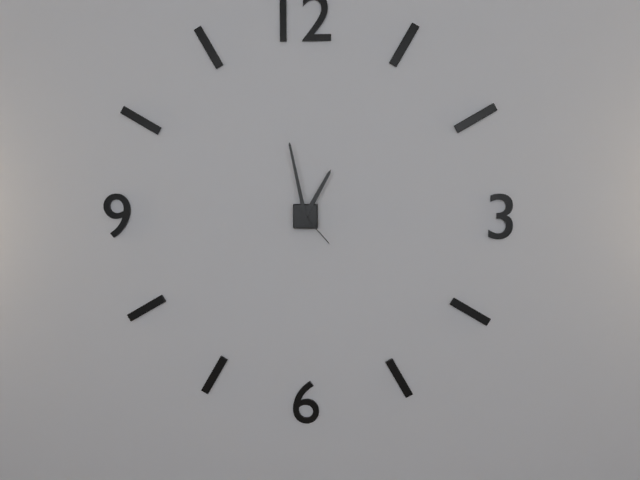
12:58
